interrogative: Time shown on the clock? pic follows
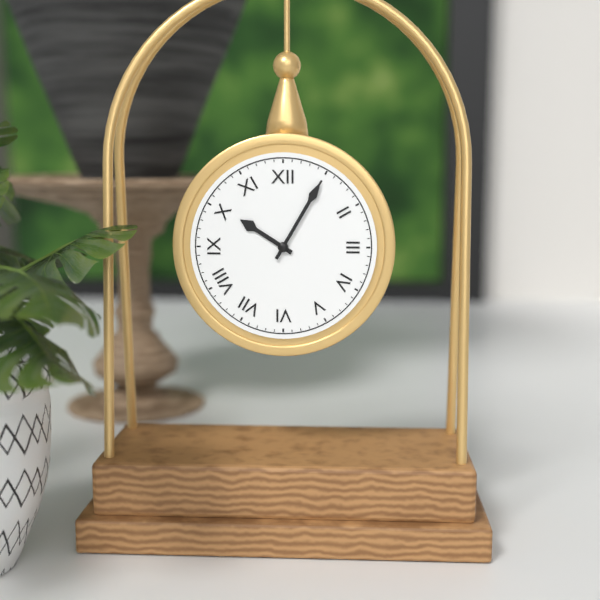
10:05
